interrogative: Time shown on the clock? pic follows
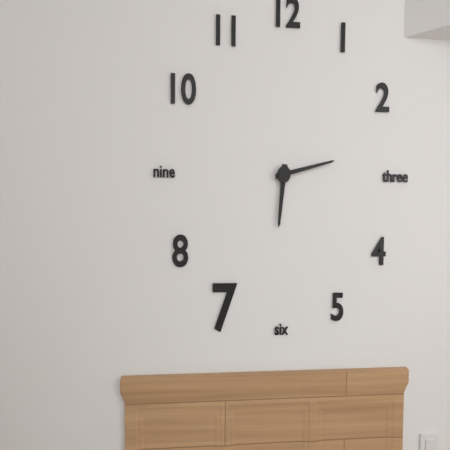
6:13
